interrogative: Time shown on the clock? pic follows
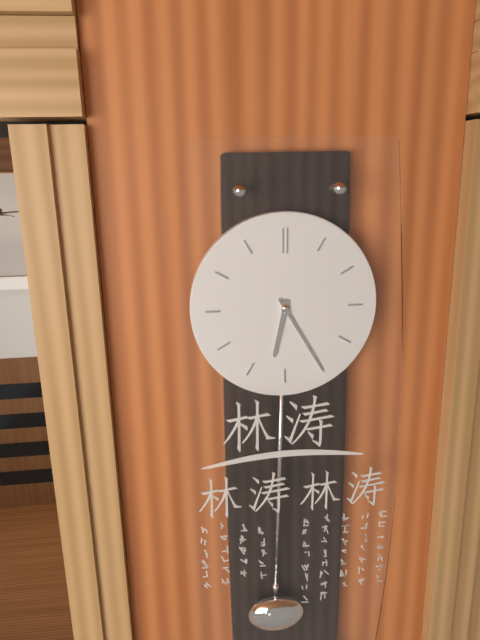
6:25
